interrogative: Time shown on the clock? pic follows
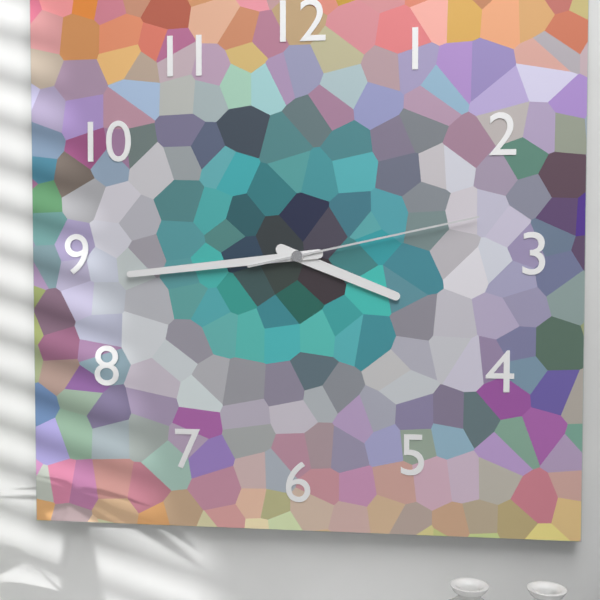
3:44:13
